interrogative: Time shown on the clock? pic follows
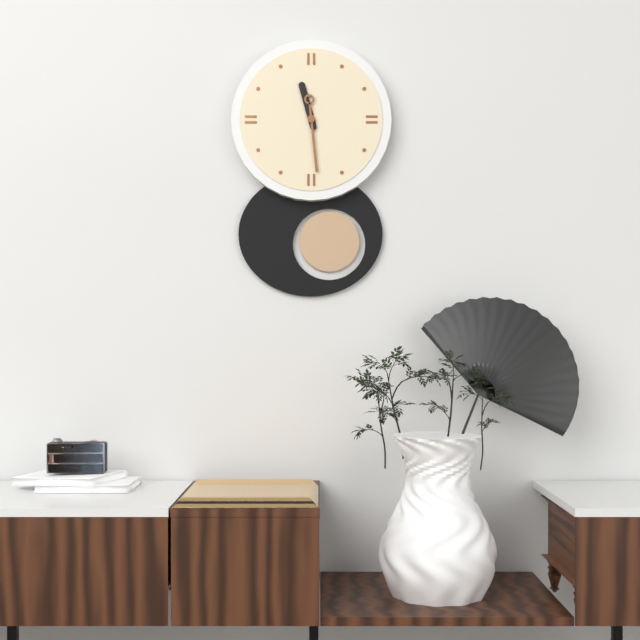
11:29
